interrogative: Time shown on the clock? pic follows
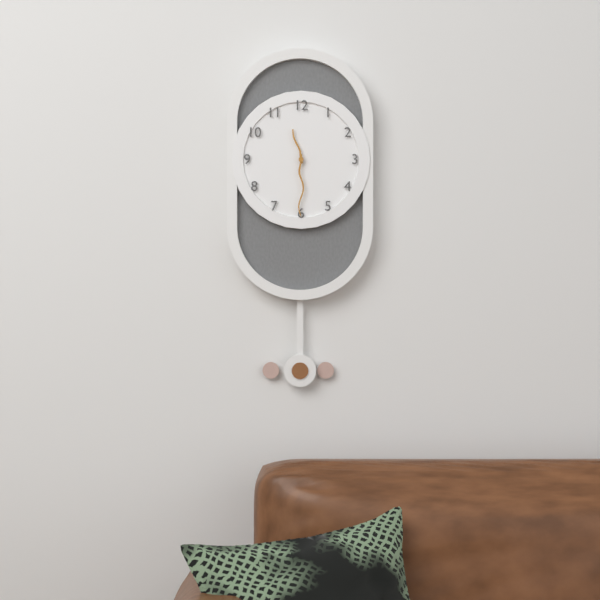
11:30
